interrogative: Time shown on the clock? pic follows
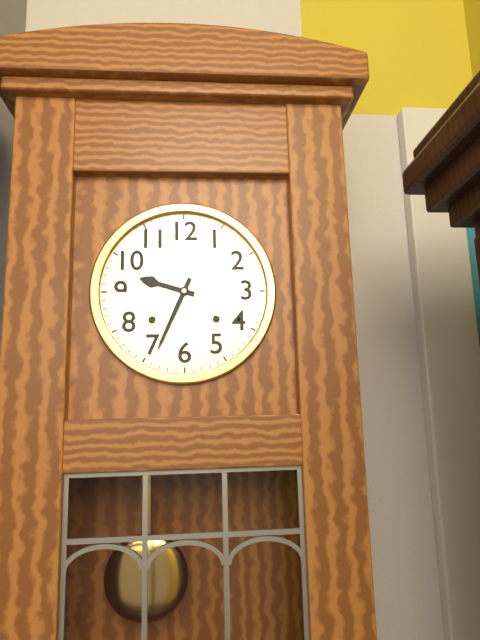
9:34
